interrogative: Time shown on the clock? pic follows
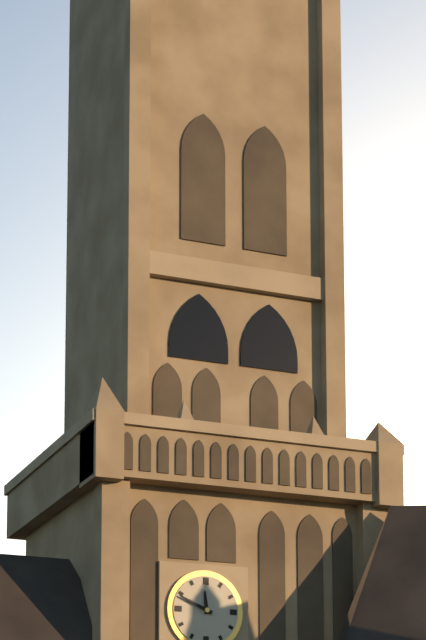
11:49
